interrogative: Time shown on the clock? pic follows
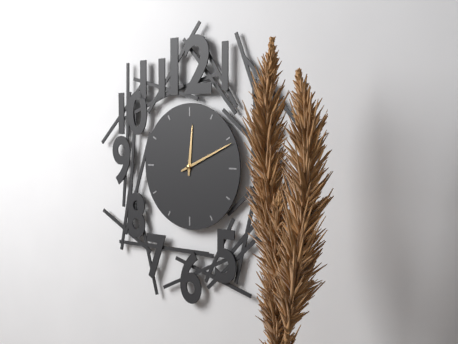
12:11
